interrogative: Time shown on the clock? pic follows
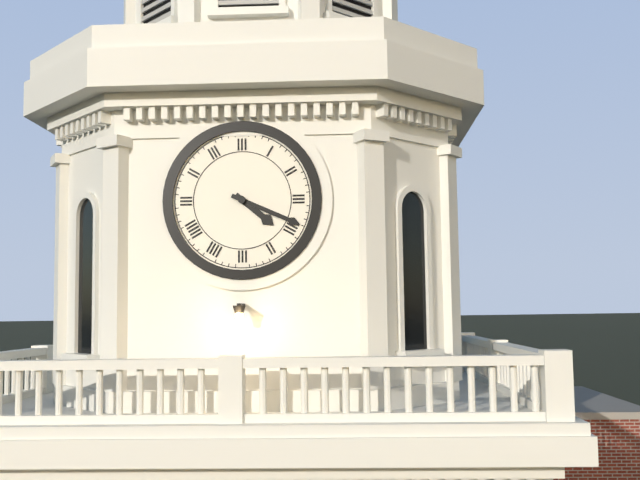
4:19
